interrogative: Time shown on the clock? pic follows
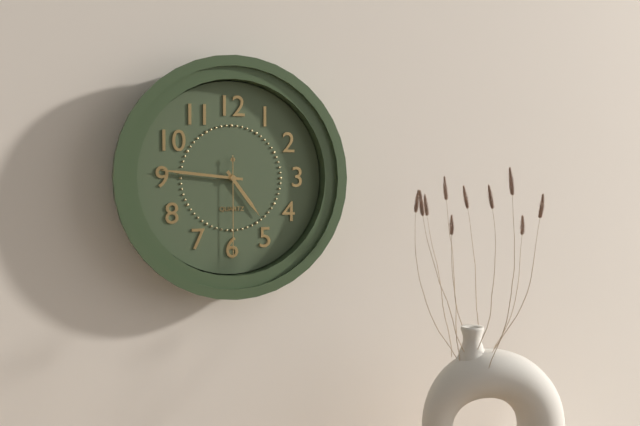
4:46:30
